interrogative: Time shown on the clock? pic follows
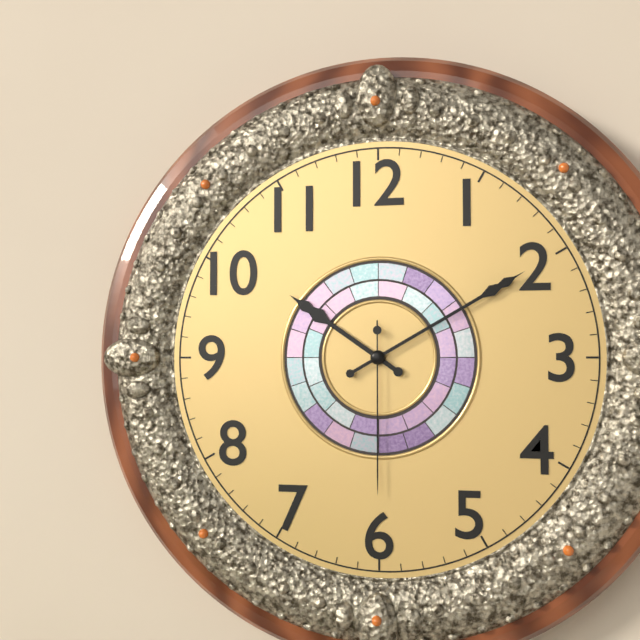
10:10:30
